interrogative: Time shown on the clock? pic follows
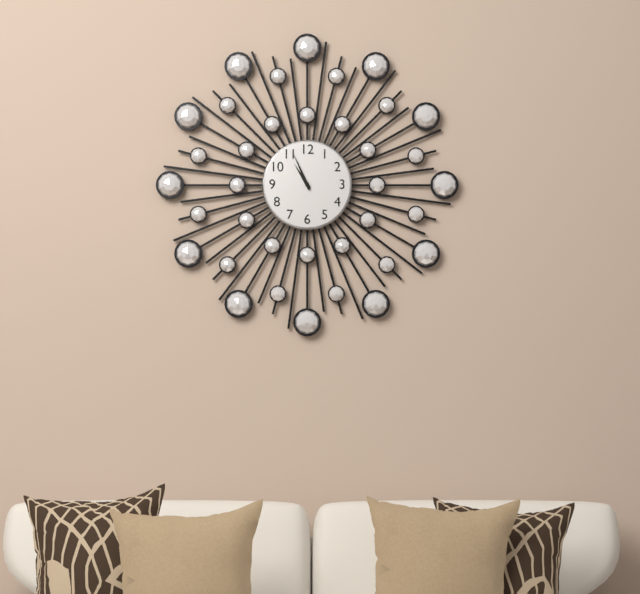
10:56
